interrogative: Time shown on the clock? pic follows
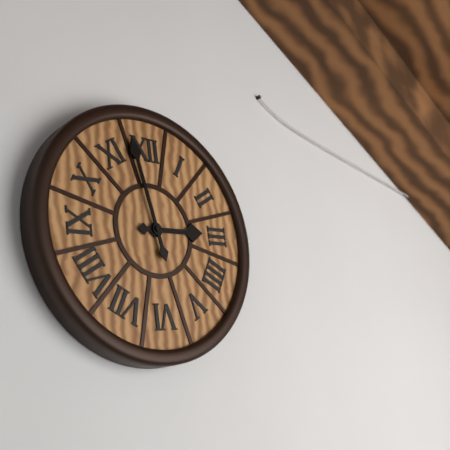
2:58
